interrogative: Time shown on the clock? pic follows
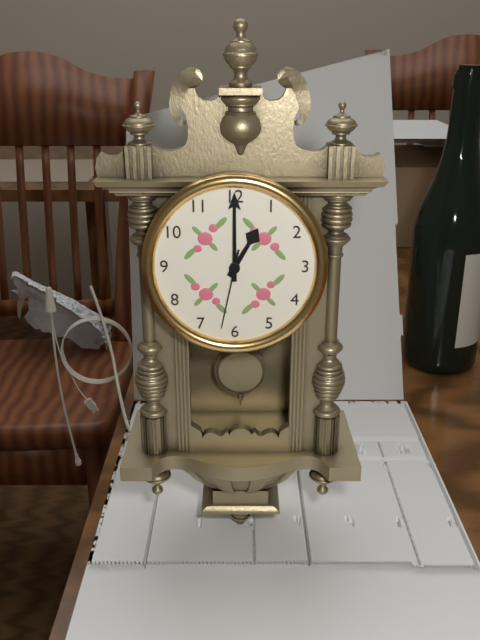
1:00:32
